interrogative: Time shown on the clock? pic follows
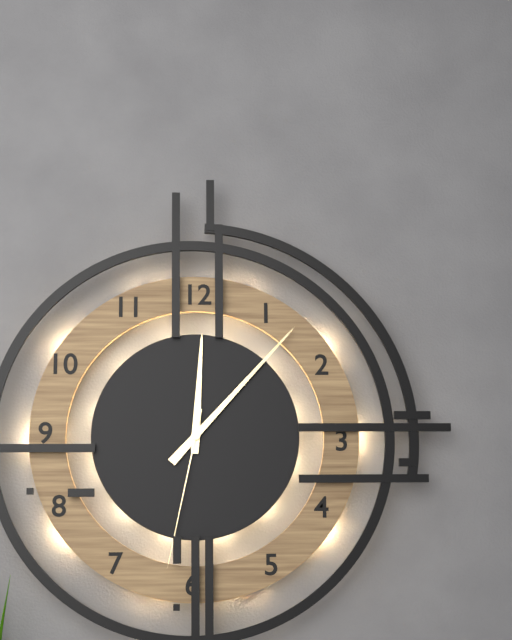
12:07:32
